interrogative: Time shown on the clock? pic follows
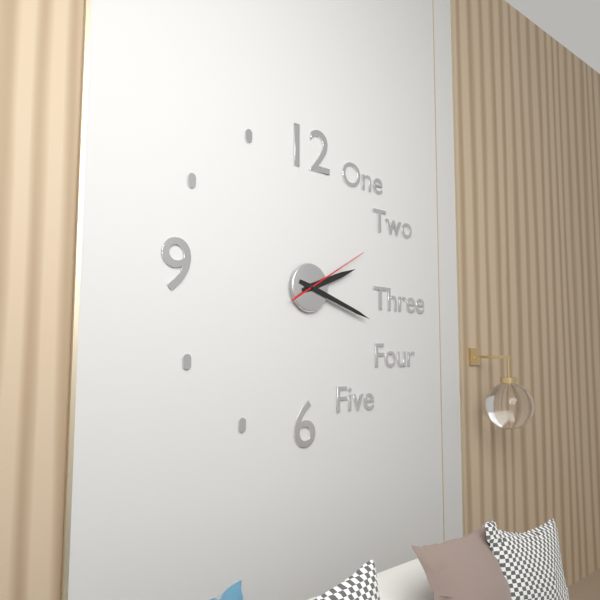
2:18:10
